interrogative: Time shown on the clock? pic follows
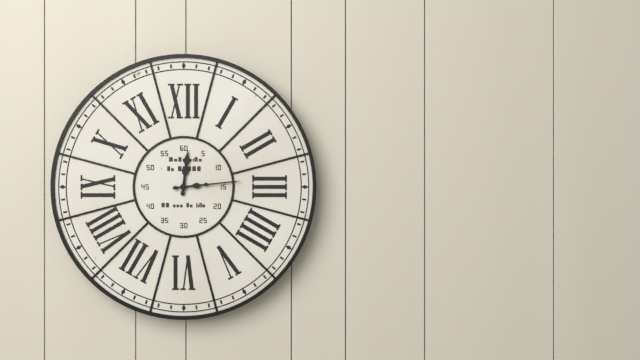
12:14
